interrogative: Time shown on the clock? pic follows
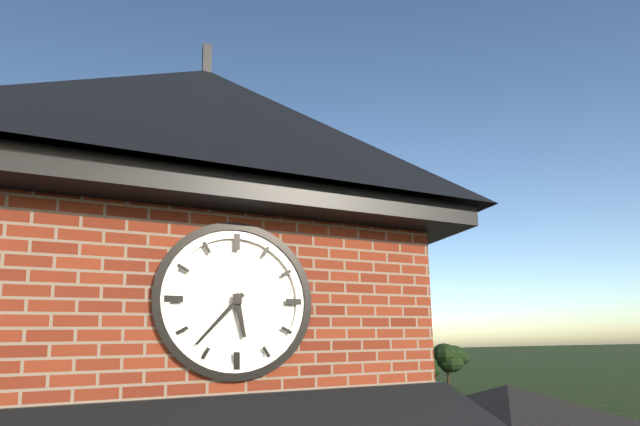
5:37
